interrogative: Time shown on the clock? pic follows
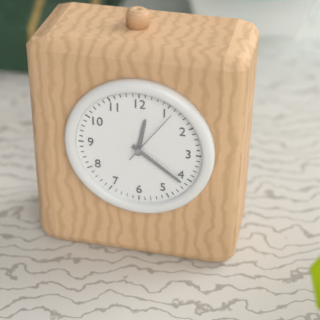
12:21:06
